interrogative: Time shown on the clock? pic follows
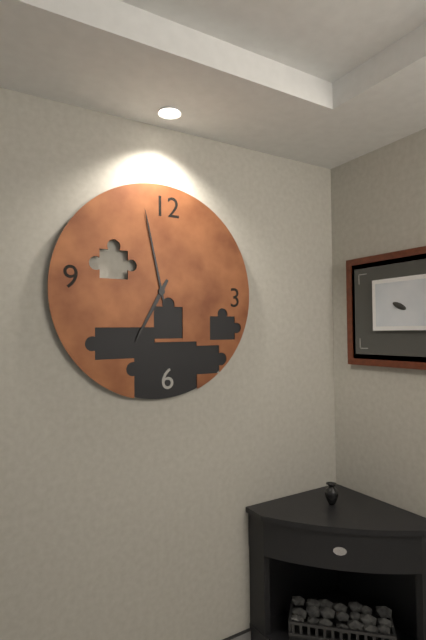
6:58
